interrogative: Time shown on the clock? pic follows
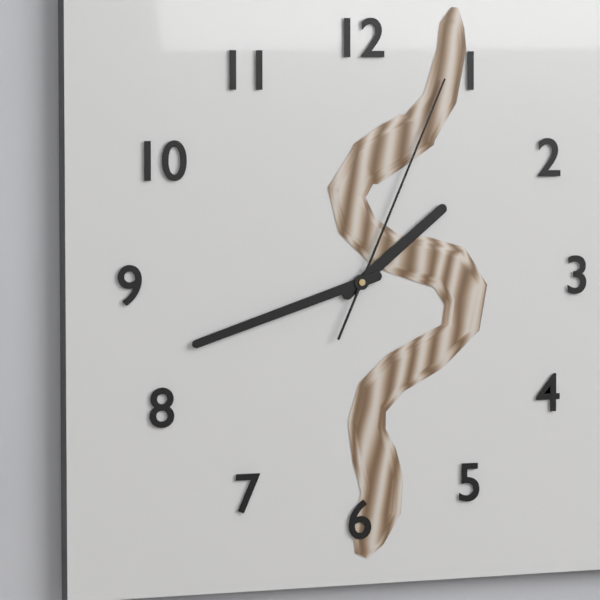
1:42:04
